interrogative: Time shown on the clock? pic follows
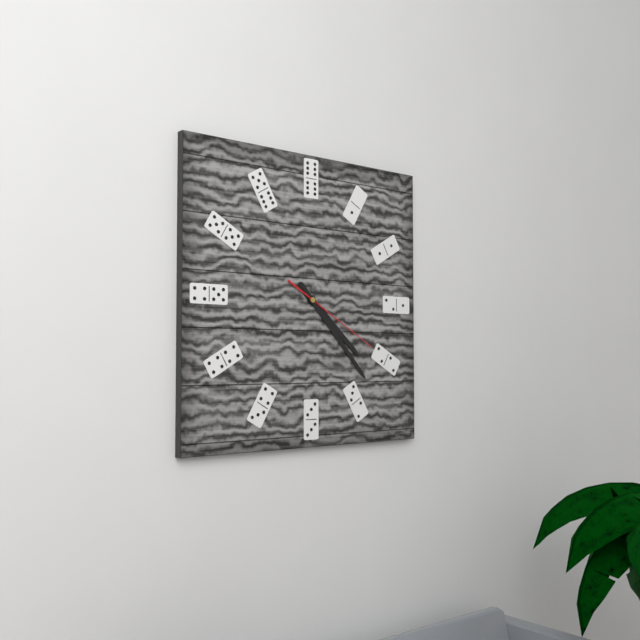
4:23:20
